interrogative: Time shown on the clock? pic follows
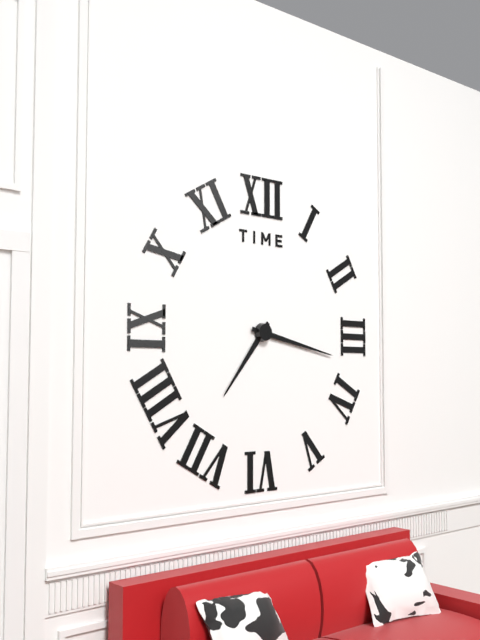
7:17
